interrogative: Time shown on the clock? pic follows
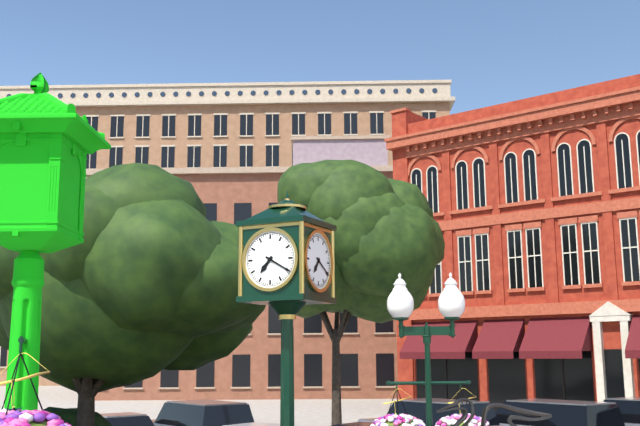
7:20
